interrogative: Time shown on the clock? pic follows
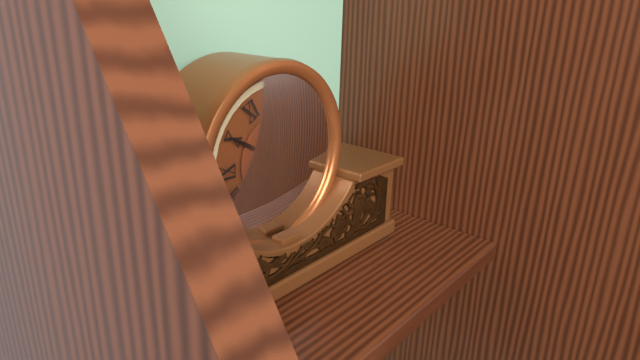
7:50
